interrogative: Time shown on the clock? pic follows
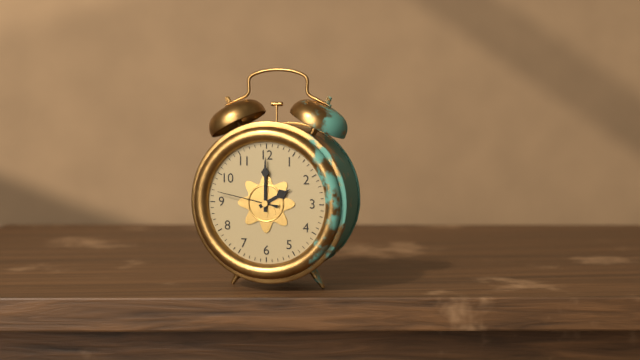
2:00:47
